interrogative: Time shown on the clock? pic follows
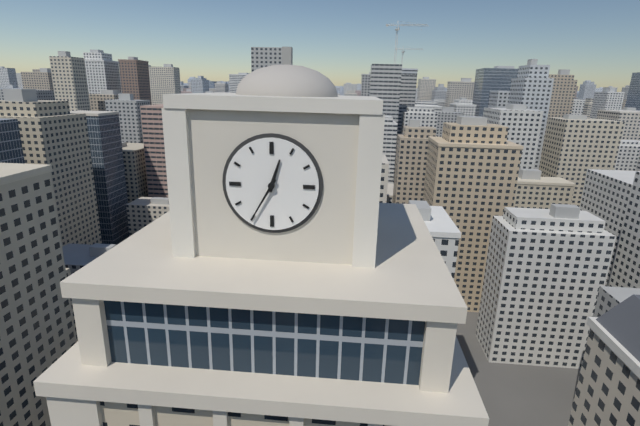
12:35
